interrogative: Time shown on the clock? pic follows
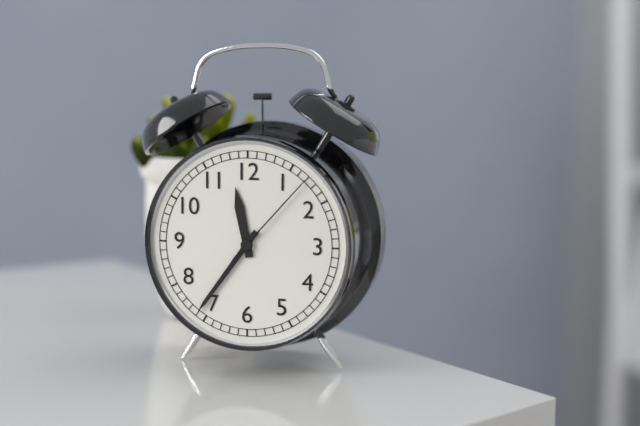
11:36:07
